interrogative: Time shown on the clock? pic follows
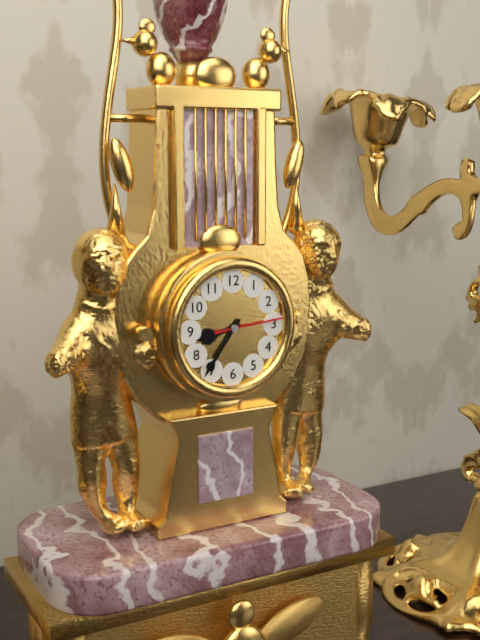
8:36:14
